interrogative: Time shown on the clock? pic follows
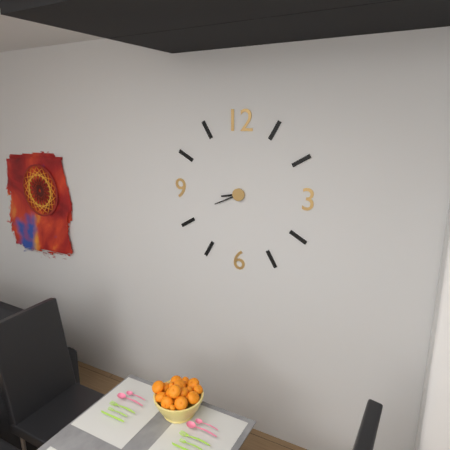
8:41
